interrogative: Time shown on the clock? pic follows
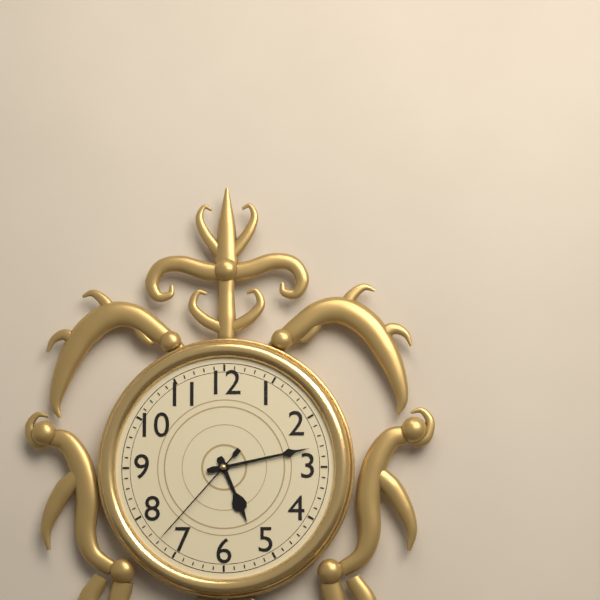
5:13:37
